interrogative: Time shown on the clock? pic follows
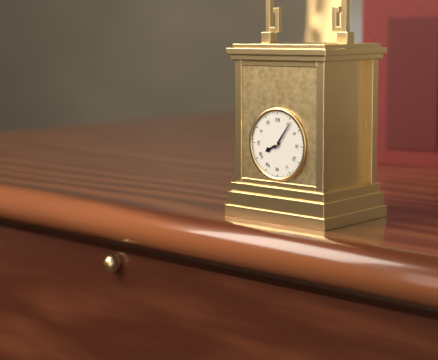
8:06
